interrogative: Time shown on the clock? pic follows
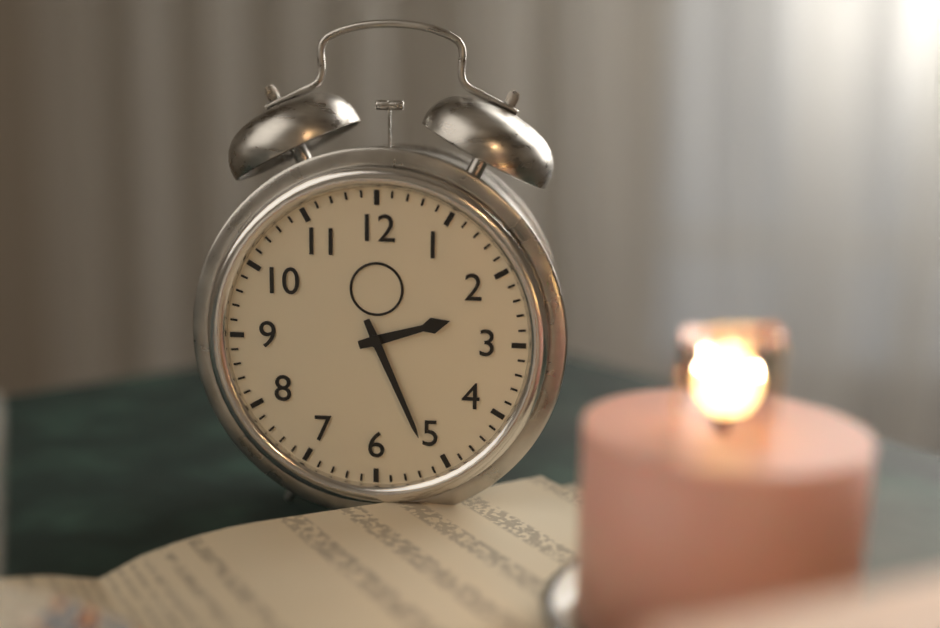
2:26
